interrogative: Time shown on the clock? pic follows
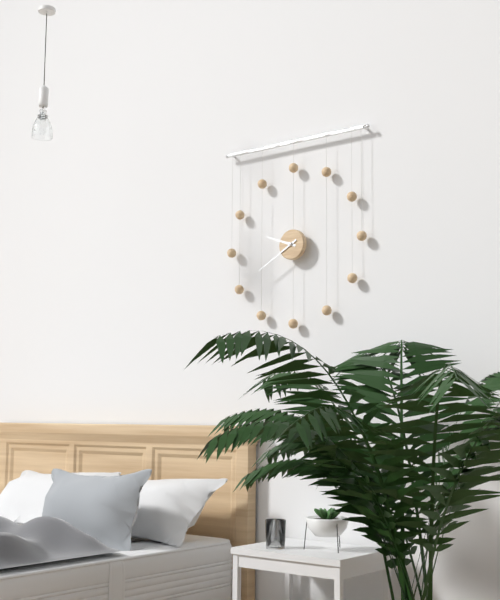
9:40
